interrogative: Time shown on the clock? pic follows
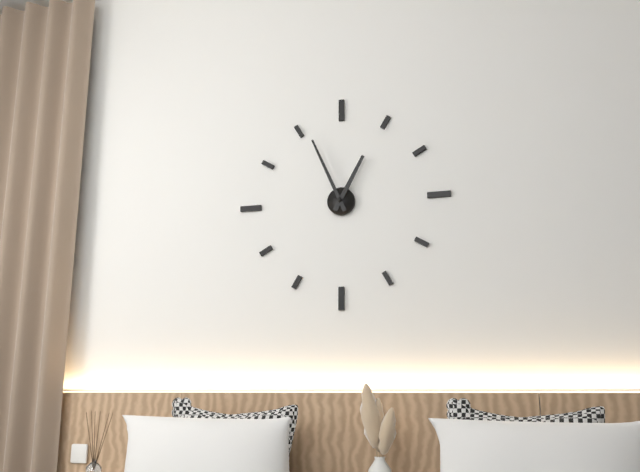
12:56
